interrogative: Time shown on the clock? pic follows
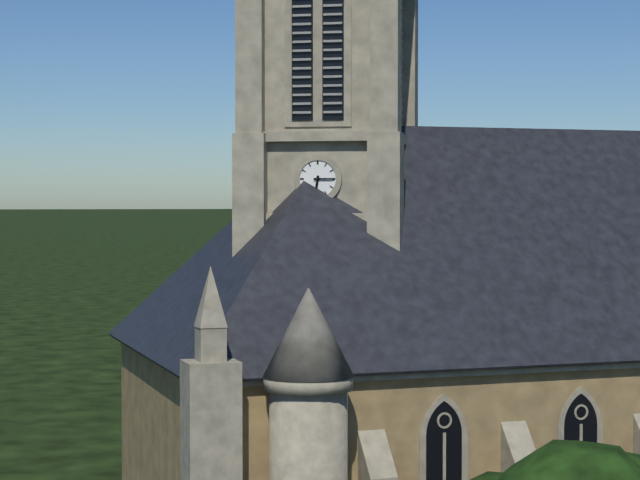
6:15
